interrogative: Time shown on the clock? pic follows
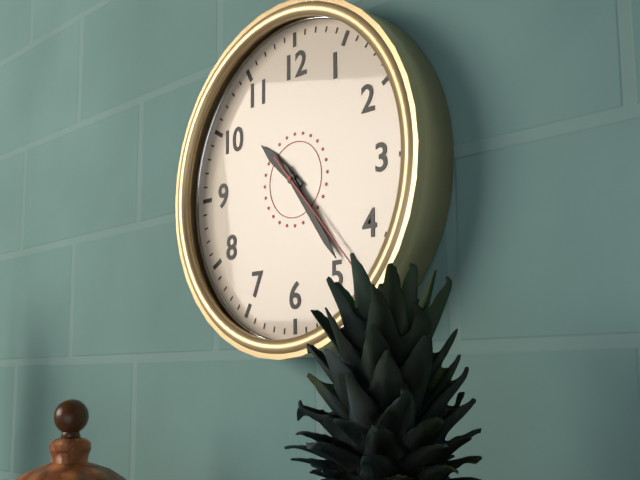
10:24:23
